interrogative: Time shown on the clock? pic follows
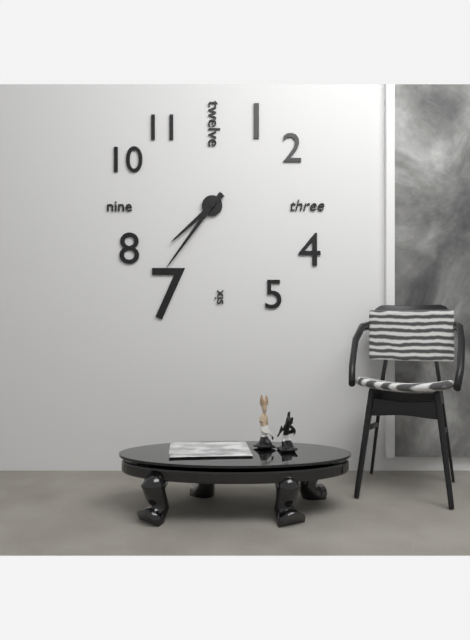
7:36
